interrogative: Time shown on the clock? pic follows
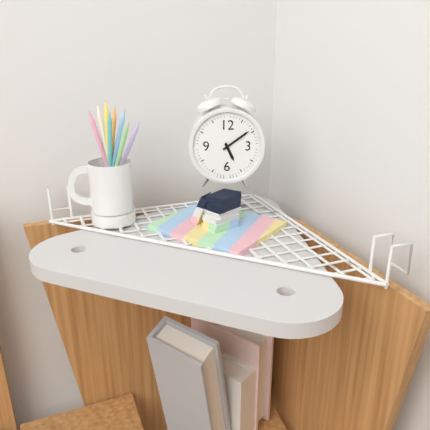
5:09
